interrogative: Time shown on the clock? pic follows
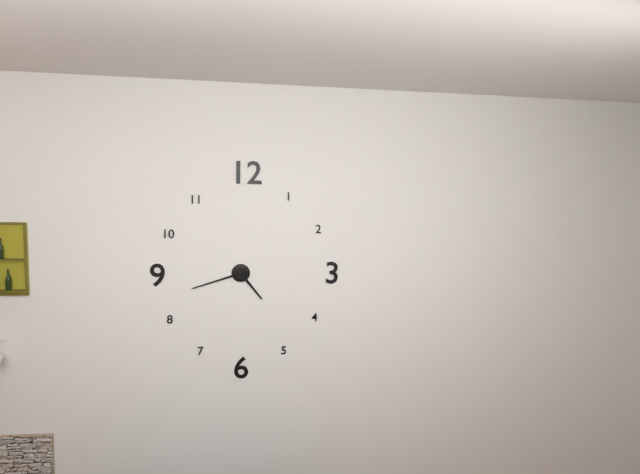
4:42
